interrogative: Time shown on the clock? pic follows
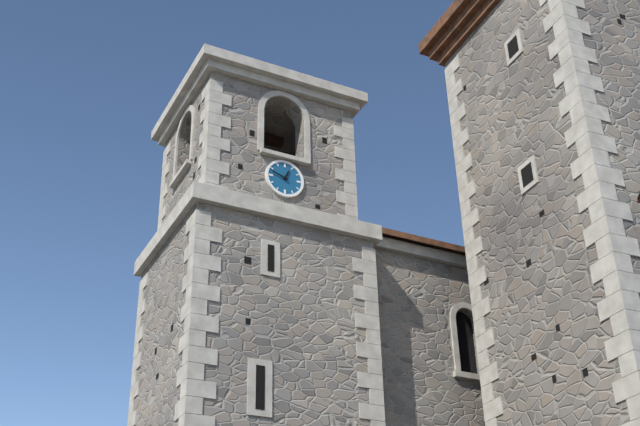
12:48
